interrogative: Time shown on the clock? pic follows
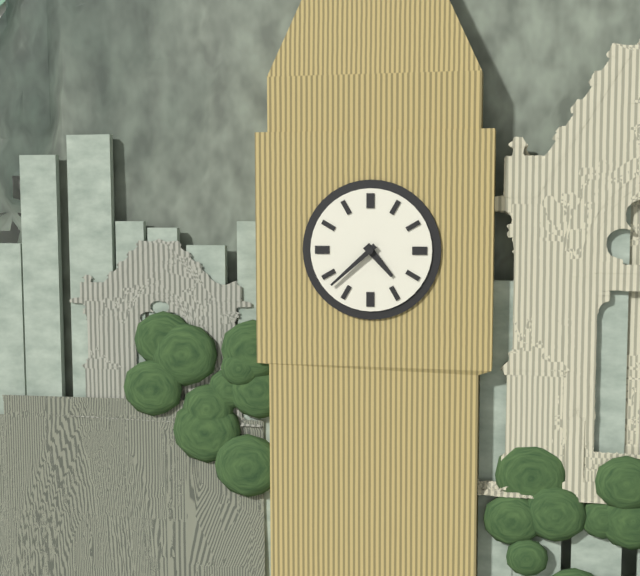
4:38
